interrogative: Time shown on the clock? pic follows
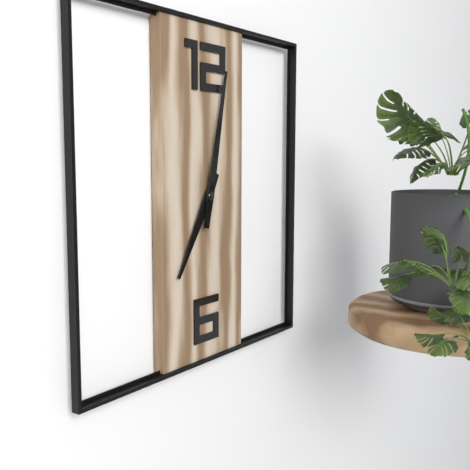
7:02
